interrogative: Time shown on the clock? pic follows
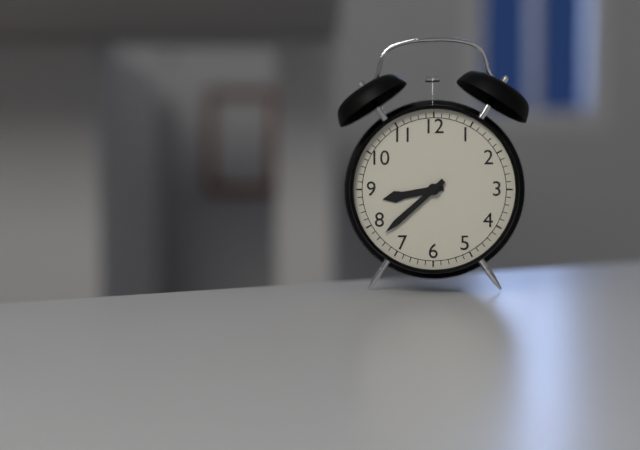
8:38
